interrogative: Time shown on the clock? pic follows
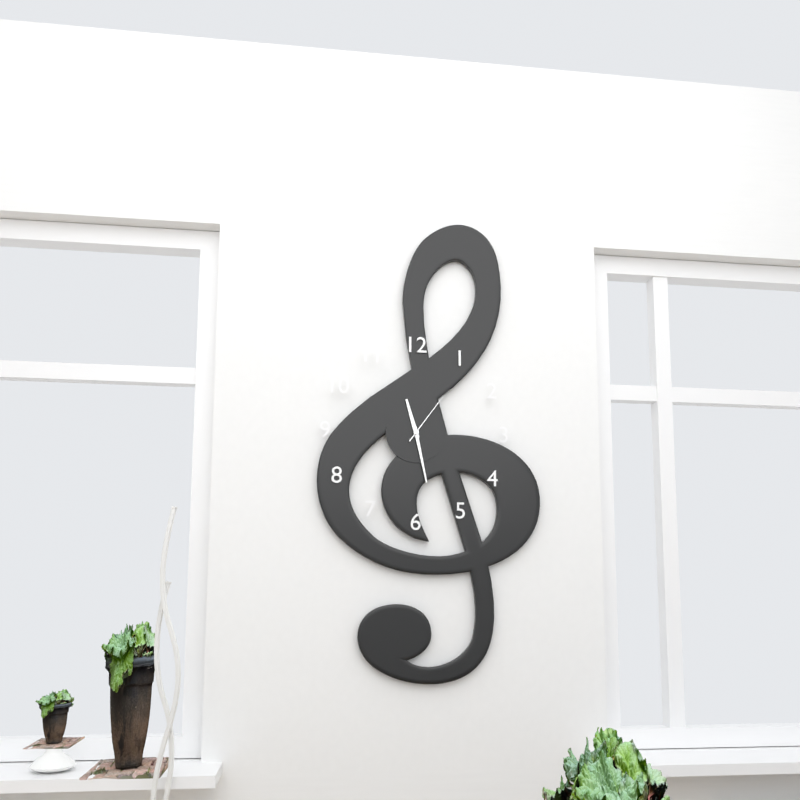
11:28:06
